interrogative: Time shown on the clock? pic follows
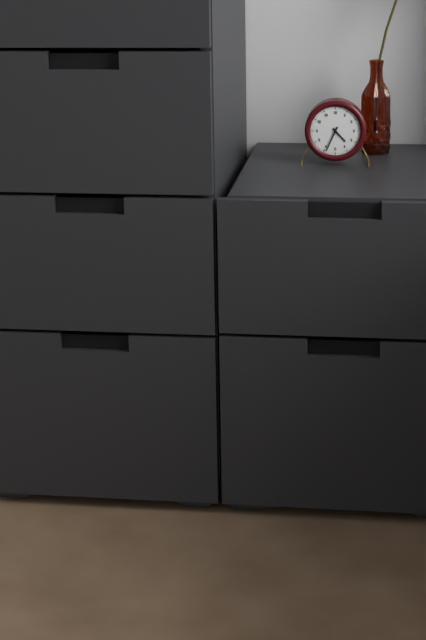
4:34
